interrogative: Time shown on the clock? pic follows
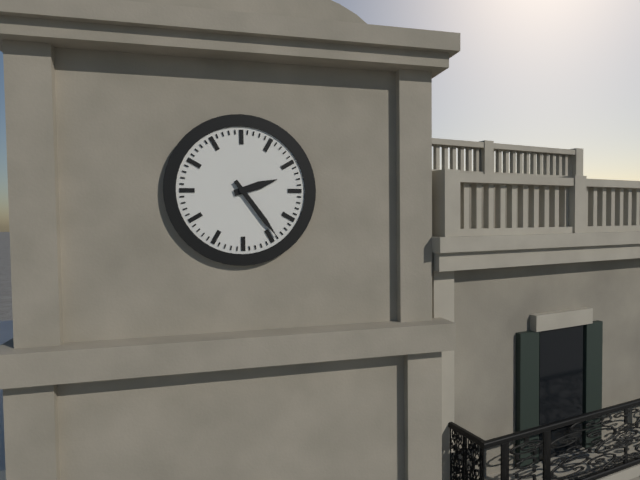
2:24
